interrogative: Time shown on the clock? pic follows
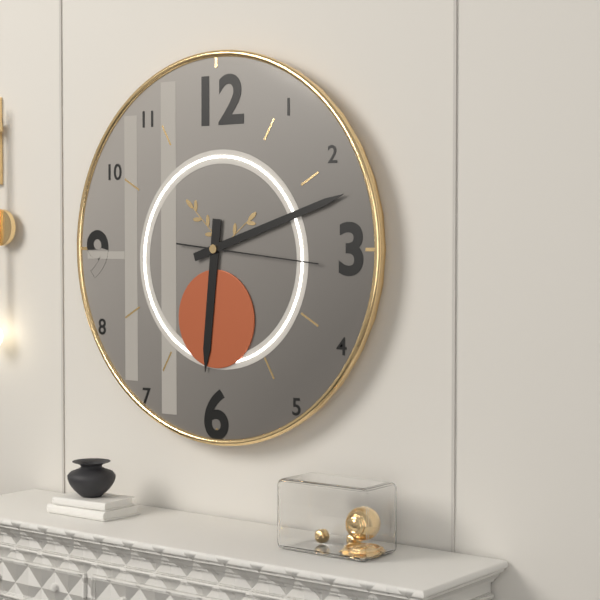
6:12:16
